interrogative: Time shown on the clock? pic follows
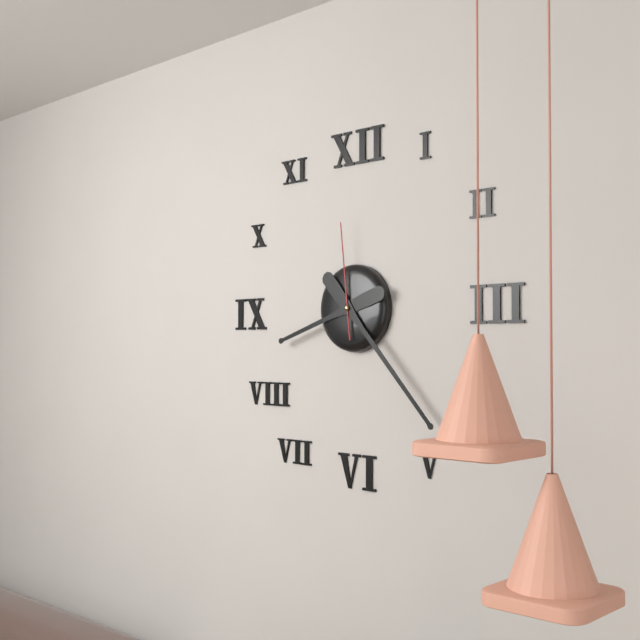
8:23:59
